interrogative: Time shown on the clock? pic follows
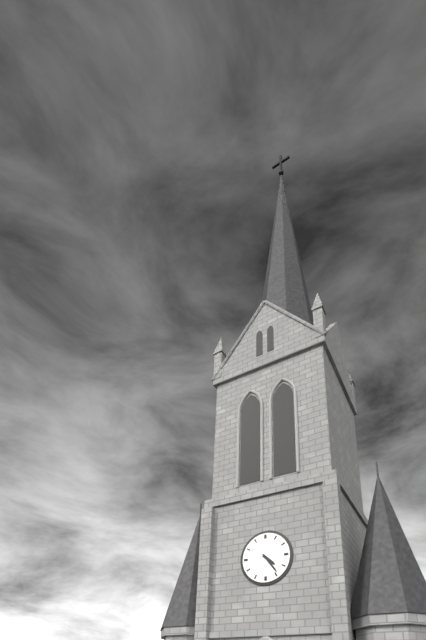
4:24
